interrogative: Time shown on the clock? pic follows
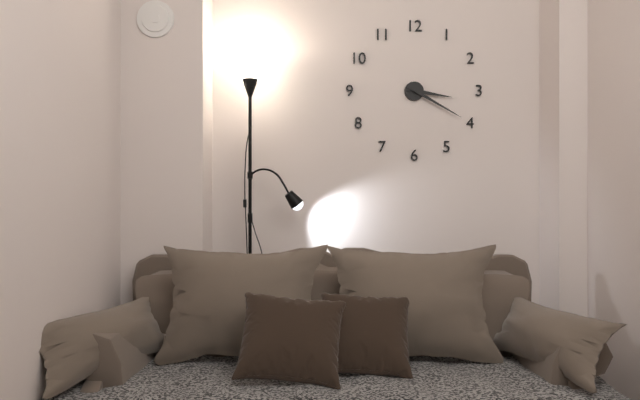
3:20
